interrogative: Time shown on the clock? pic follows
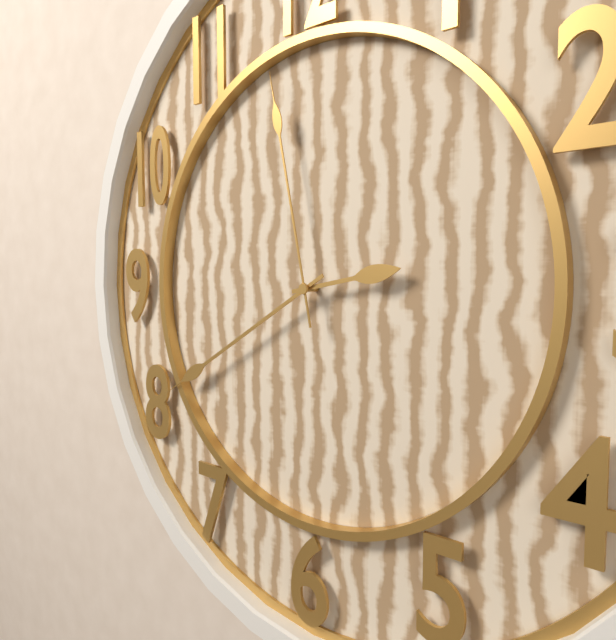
2:40:58
